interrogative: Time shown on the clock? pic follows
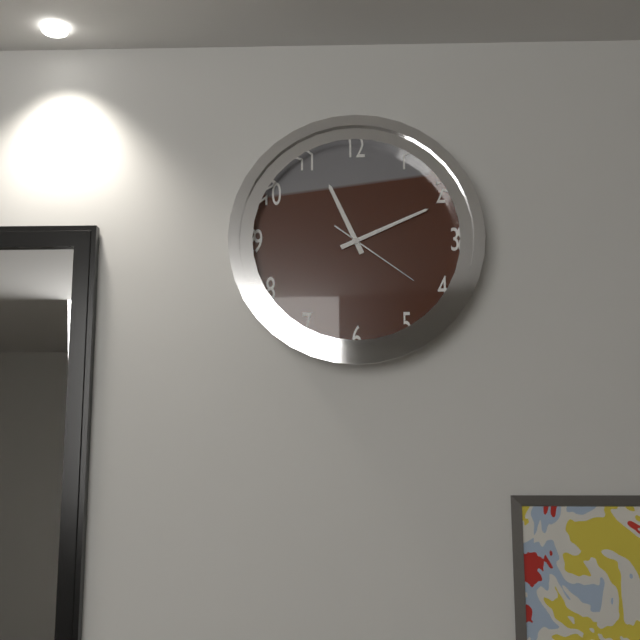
11:11:21
